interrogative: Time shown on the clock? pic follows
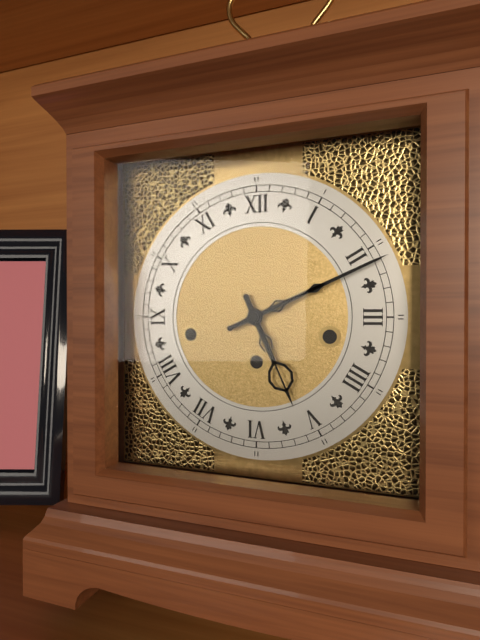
5:11
